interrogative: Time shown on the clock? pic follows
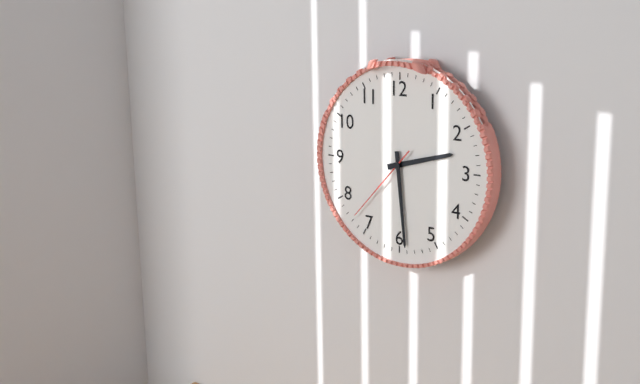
2:29:37
